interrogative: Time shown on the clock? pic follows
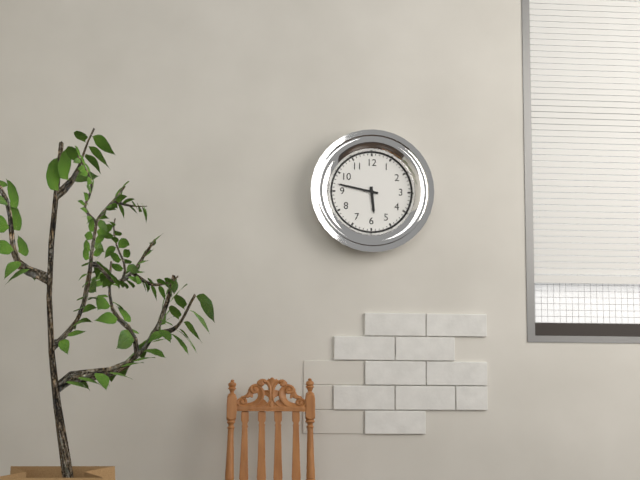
5:47
